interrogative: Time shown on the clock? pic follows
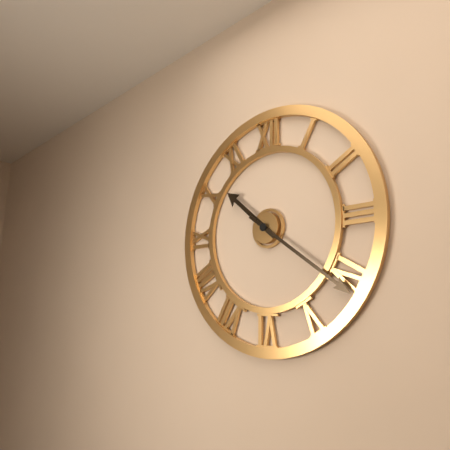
10:21
